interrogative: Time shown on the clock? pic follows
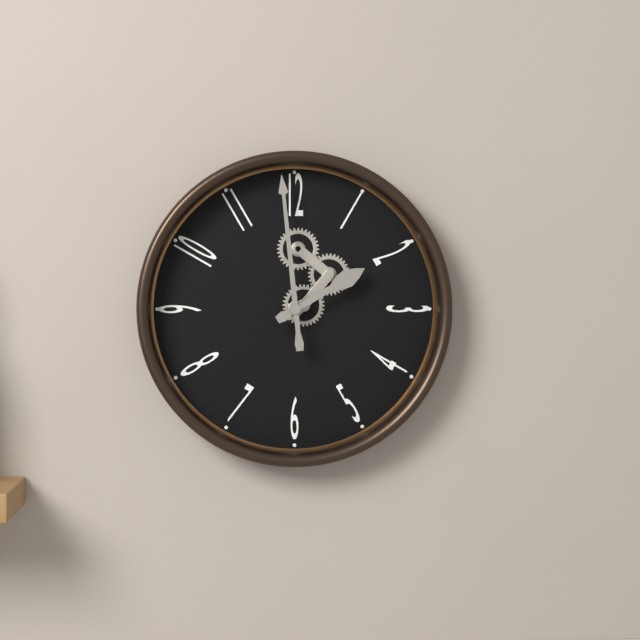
1:59
